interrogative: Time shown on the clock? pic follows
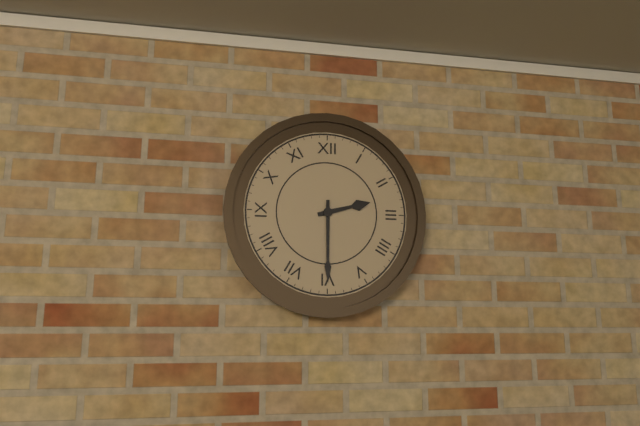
2:30
